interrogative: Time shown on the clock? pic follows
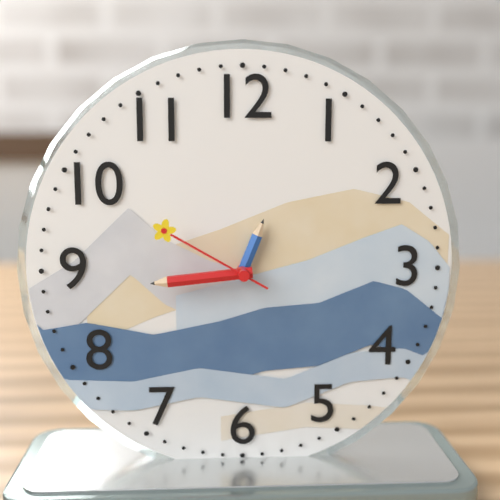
12:44:50
